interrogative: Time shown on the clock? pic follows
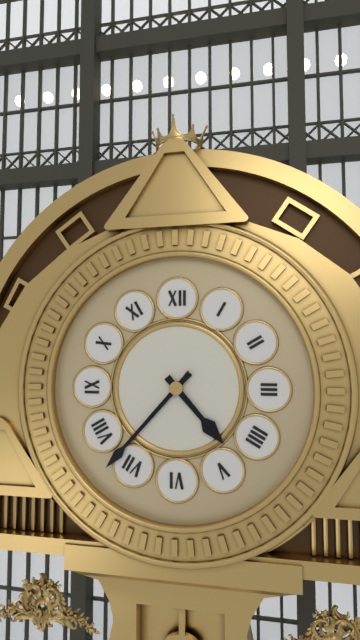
4:37
